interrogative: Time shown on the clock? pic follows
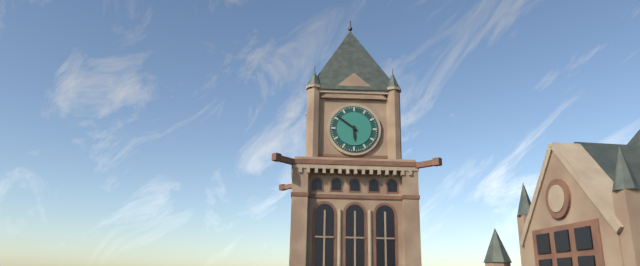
5:51
